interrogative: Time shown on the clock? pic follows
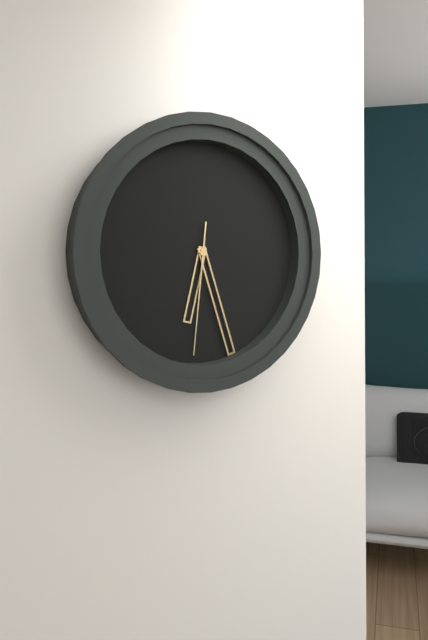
6:27:31
